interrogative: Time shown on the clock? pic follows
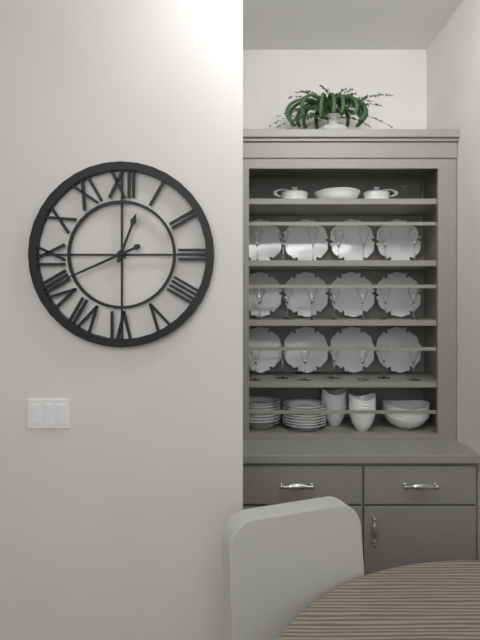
12:41
